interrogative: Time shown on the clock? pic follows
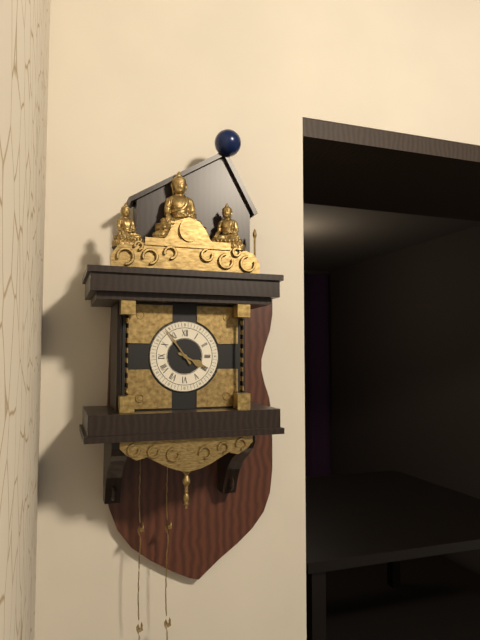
3:54
